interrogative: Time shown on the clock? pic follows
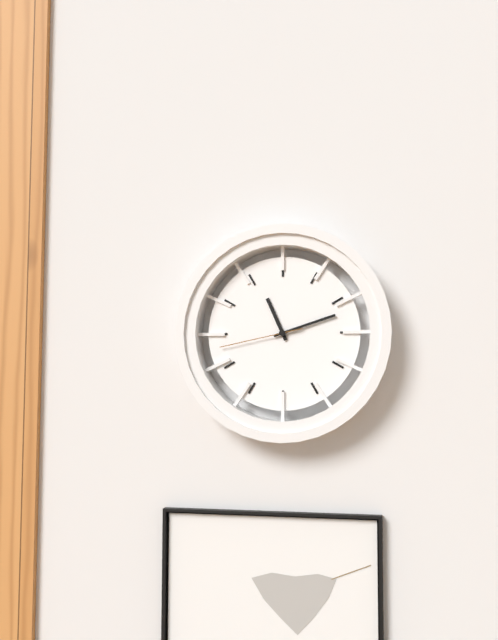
11:12:43
